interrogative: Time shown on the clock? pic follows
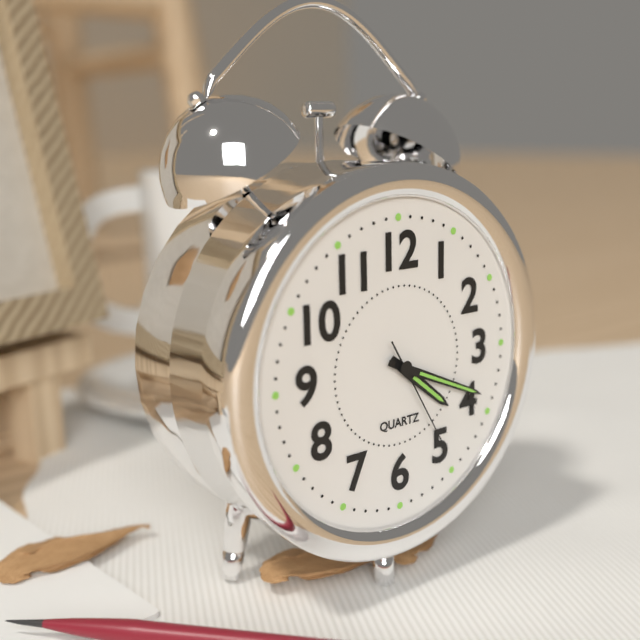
4:19:25
